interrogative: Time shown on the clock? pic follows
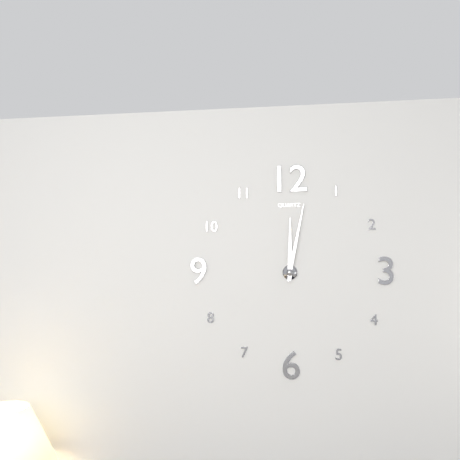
12:02
